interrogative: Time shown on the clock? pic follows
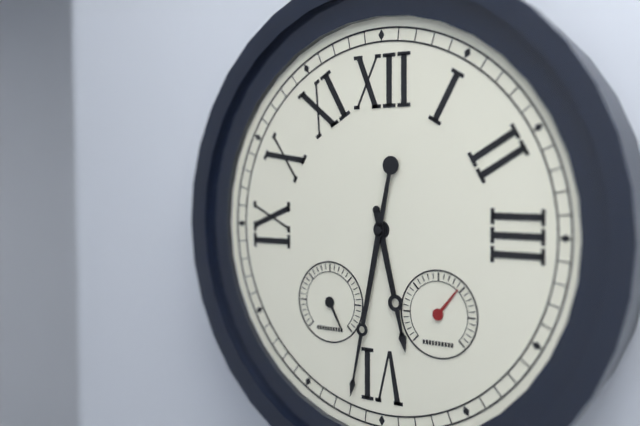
5:32
